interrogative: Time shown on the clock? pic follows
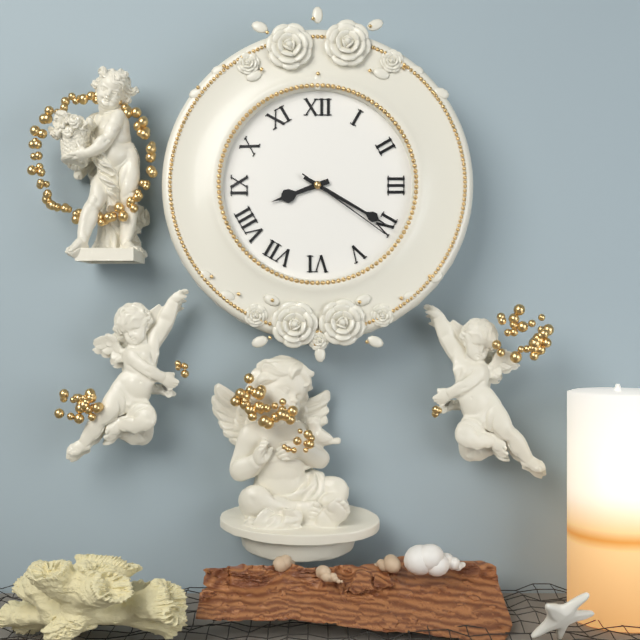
8:20:21
